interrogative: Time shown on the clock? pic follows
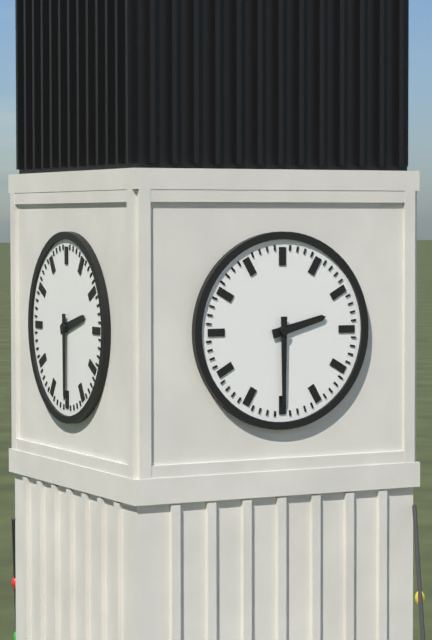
2:30
